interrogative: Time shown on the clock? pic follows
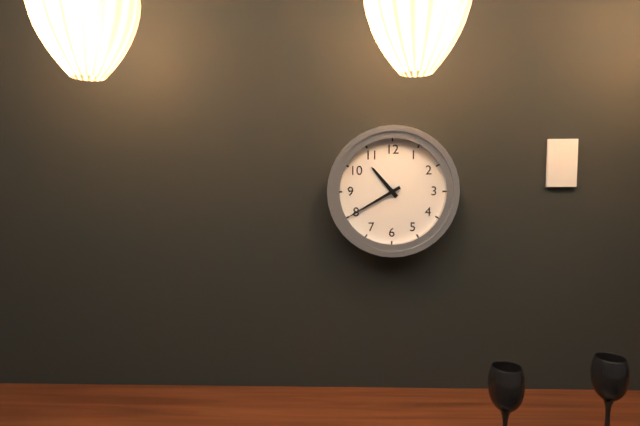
10:40
